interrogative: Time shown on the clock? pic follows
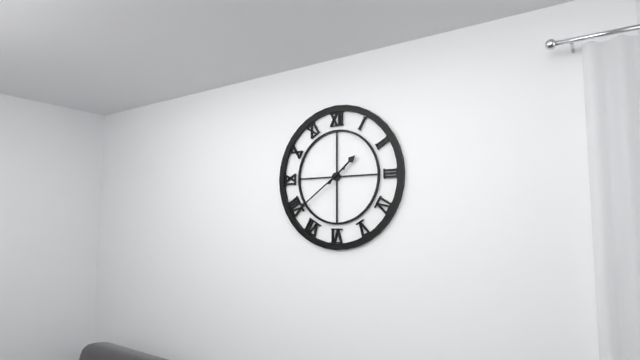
1:39
